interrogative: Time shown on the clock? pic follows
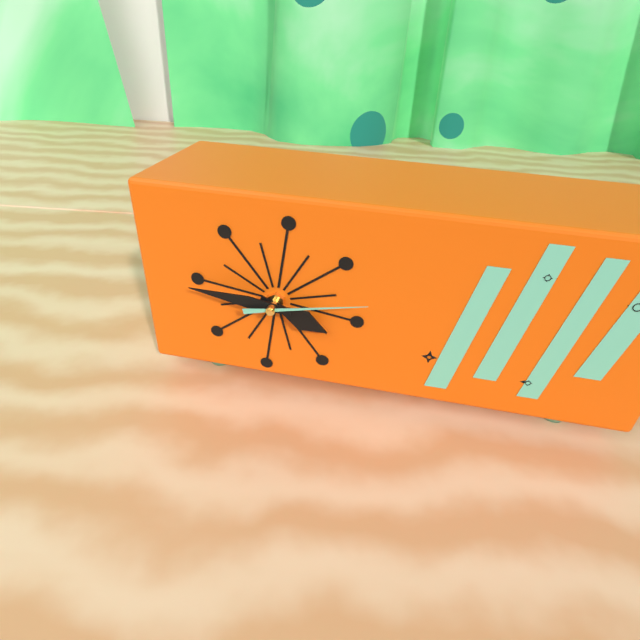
3:46:13
